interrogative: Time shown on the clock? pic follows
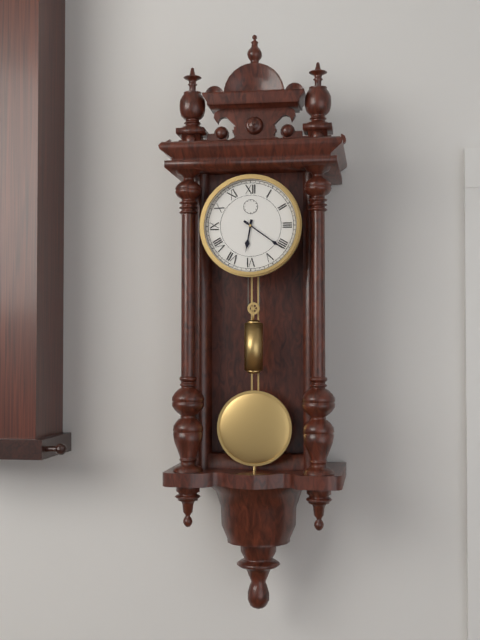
6:21
